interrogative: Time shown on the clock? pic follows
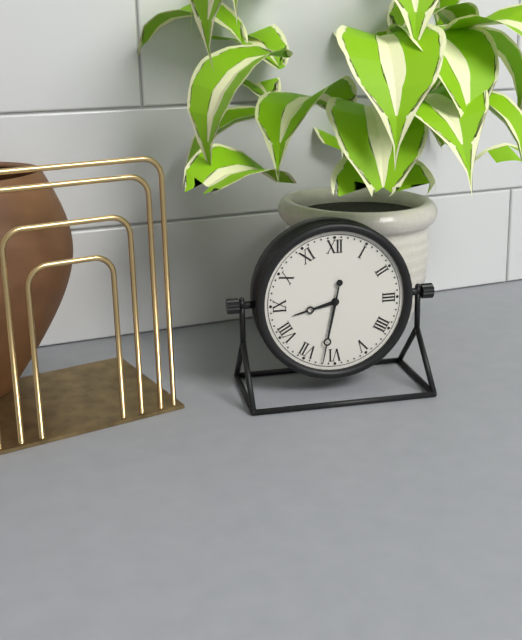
8:32
